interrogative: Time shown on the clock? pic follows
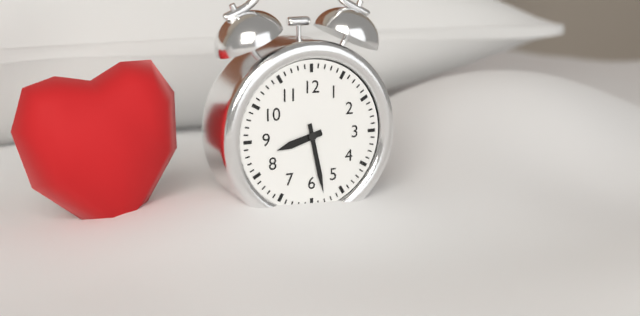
8:28
